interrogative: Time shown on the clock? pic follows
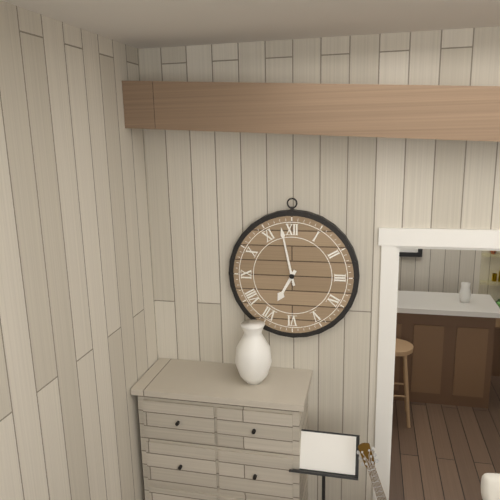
6:58
